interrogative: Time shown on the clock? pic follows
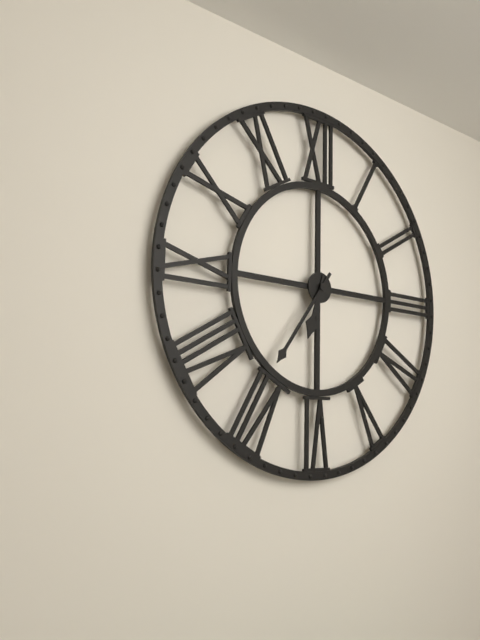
6:36
